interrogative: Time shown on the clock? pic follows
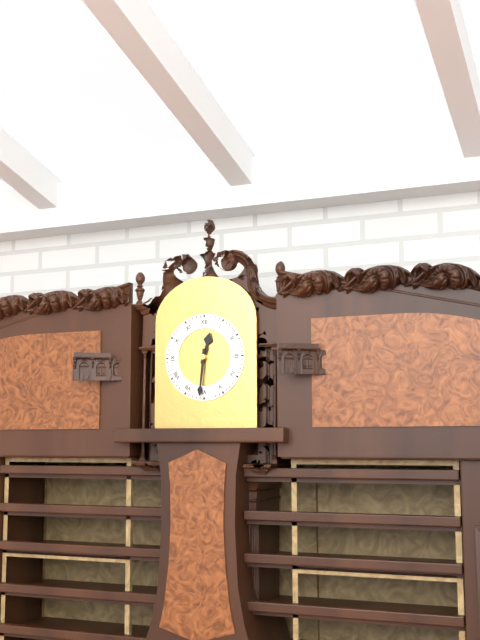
12:31
